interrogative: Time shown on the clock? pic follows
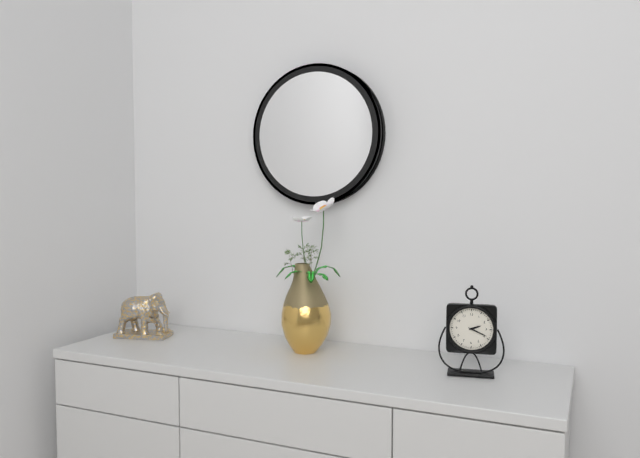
2:19
